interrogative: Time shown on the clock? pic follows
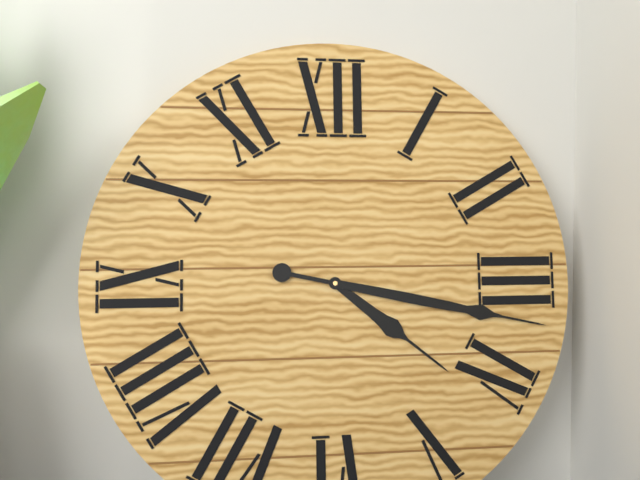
4:17
